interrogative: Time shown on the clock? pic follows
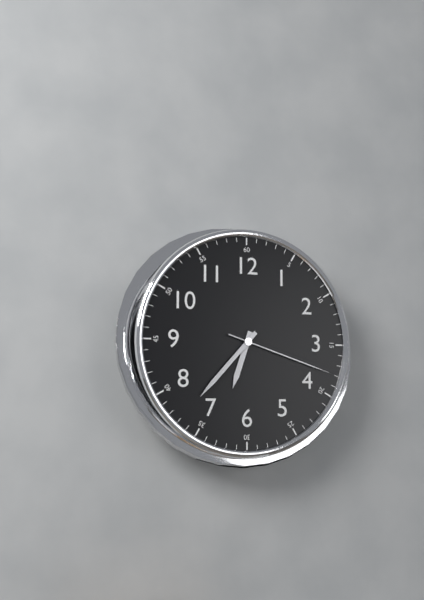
6:37:18
